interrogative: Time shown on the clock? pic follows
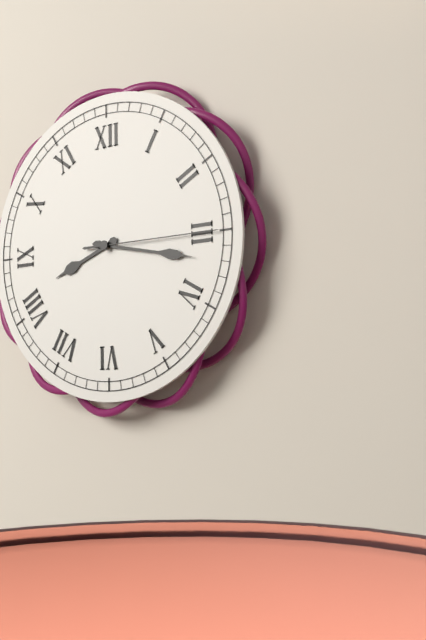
8:17:15
